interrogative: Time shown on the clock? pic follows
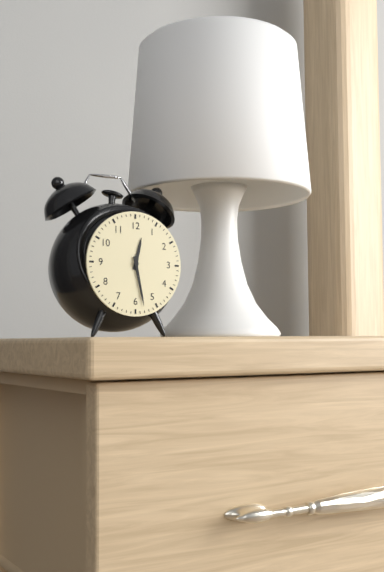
12:28
